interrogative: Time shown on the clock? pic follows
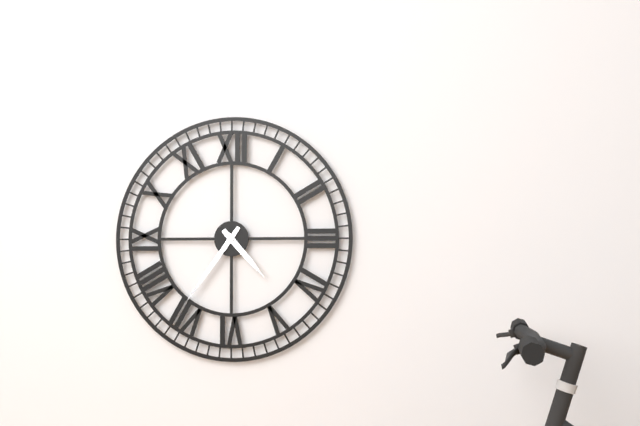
4:36
